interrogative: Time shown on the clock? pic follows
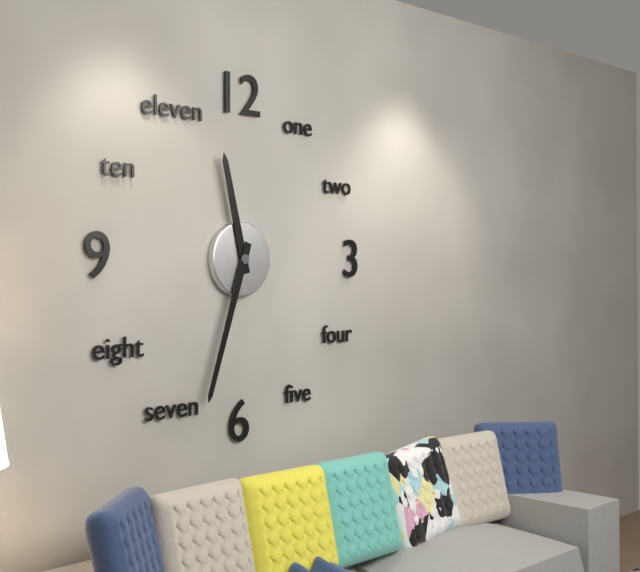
11:33
